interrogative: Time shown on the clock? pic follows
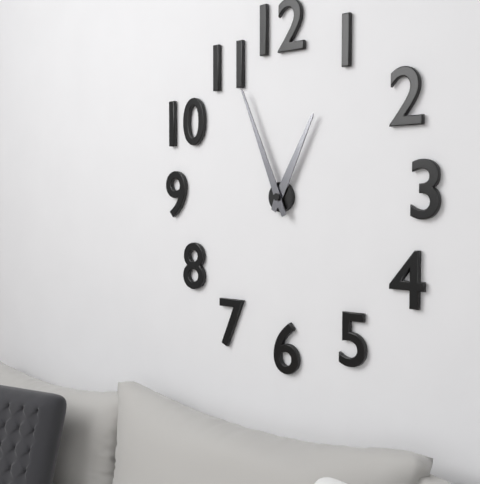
12:56
